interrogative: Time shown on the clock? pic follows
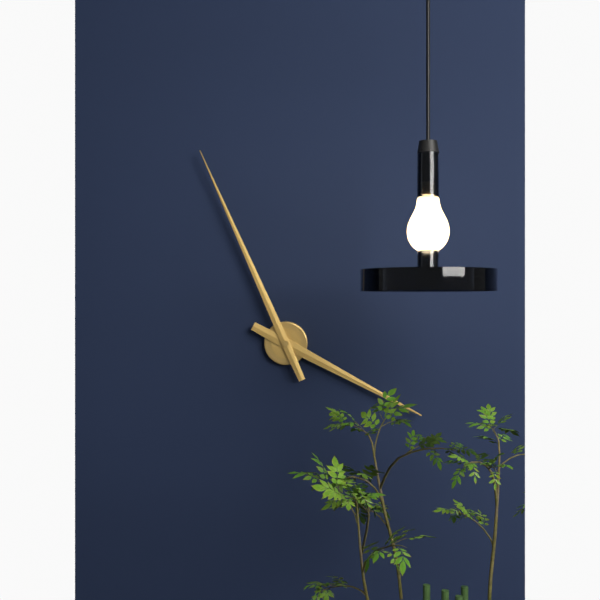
3:56
